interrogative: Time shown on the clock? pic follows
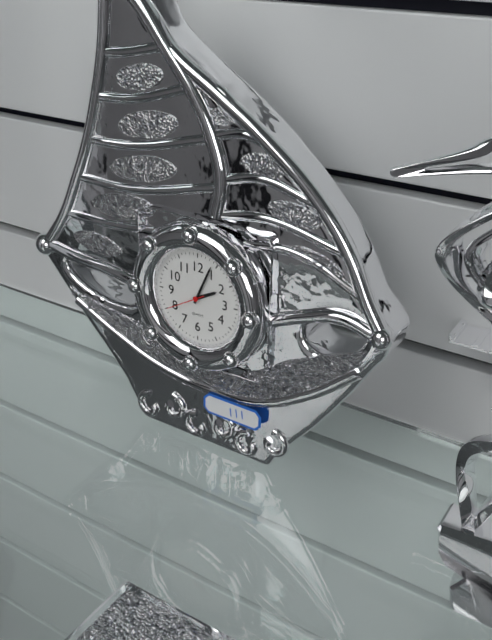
2:04
